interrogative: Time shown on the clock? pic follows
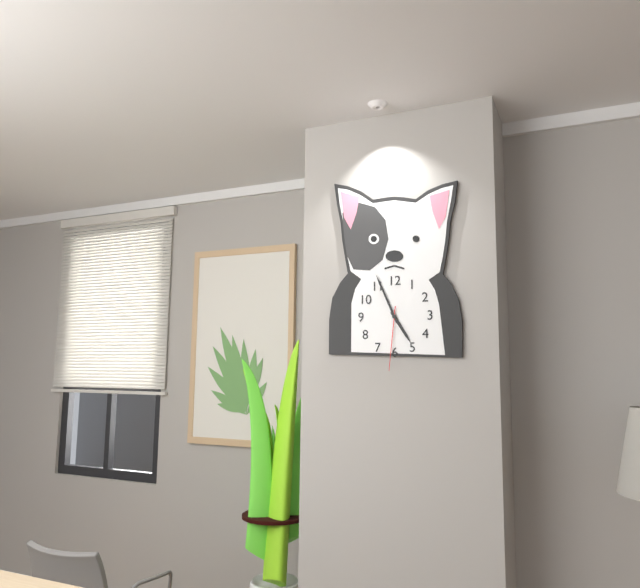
4:56:31
